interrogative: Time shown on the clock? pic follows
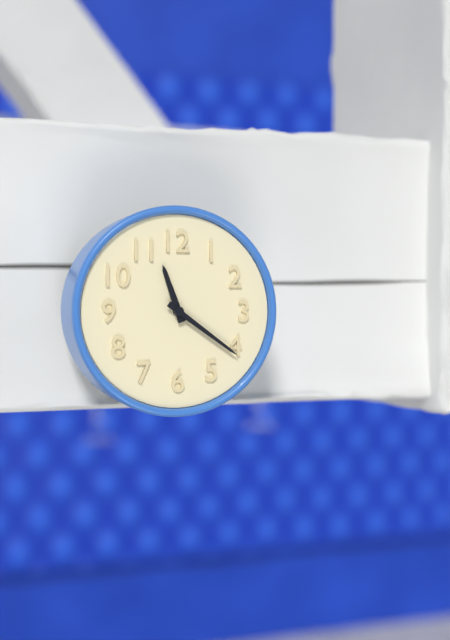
11:21
